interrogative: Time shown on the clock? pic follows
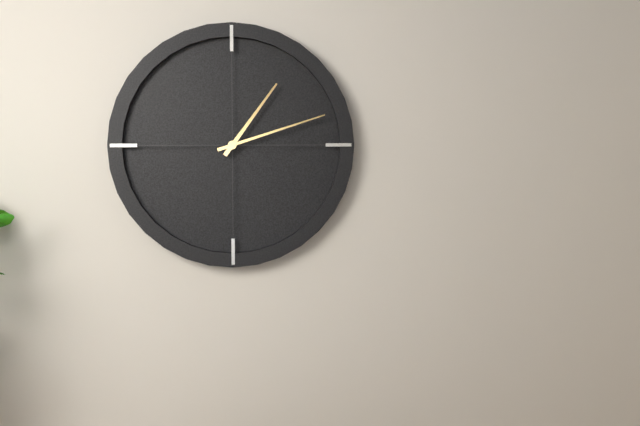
1:12
